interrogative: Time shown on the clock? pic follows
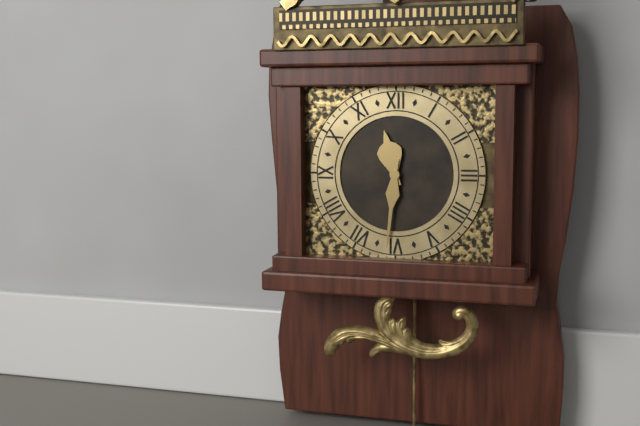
11:31
